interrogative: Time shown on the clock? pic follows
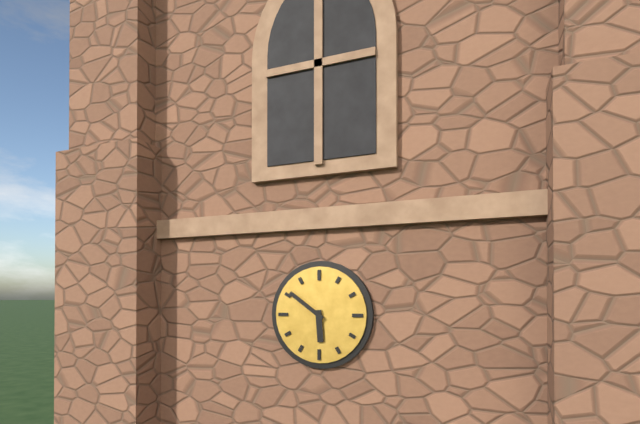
5:51
